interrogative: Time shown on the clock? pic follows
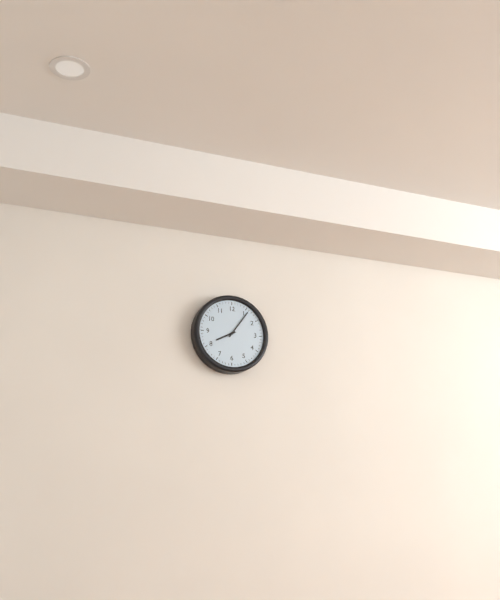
8:06
